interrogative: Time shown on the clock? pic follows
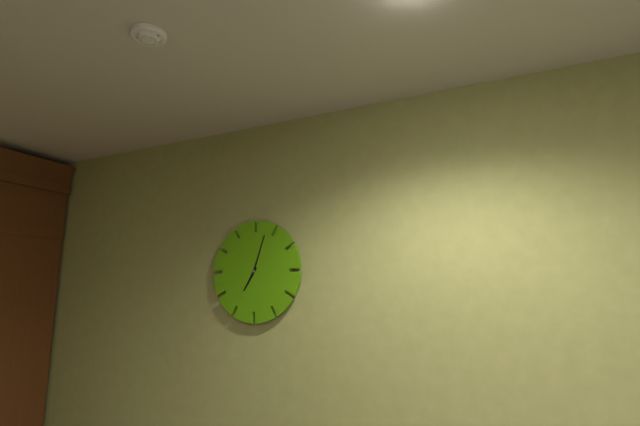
7:03
